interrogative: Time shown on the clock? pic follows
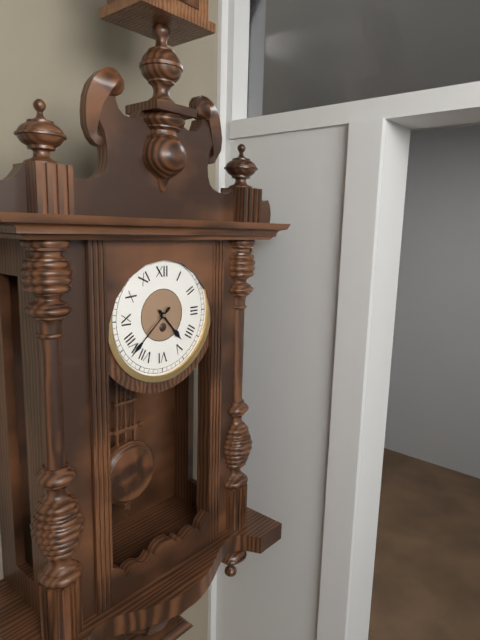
4:38
